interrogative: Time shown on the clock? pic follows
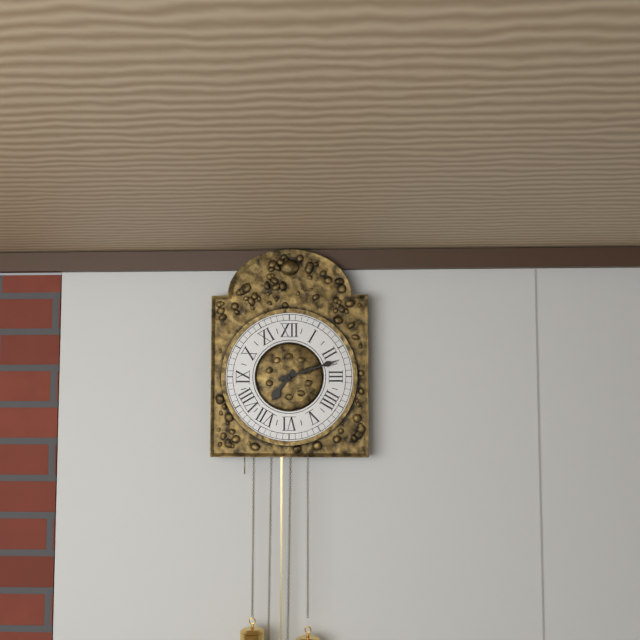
7:12
